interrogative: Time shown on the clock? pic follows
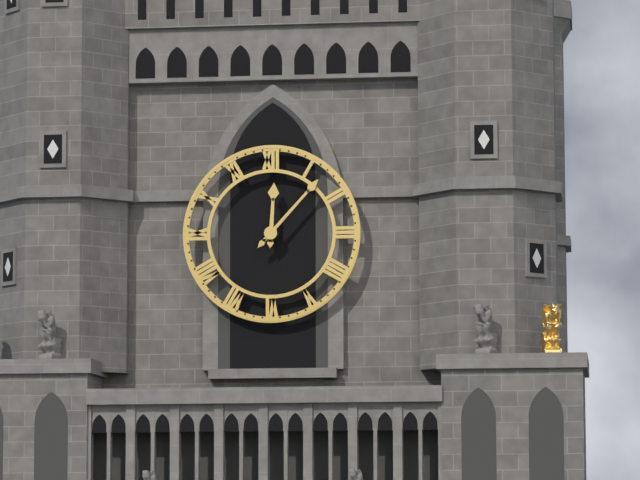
12:07
